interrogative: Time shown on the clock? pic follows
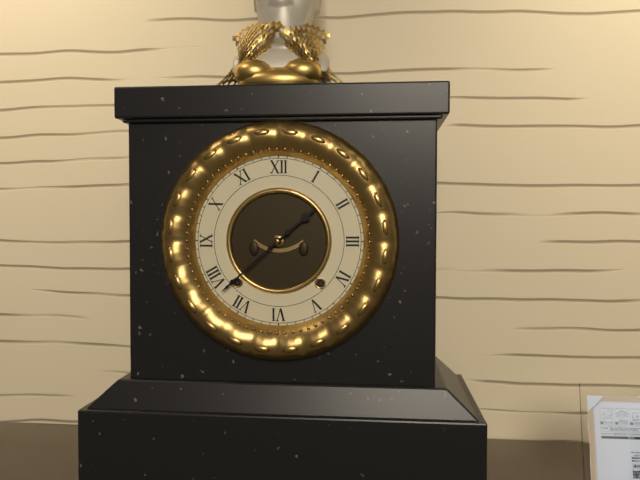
1:38
